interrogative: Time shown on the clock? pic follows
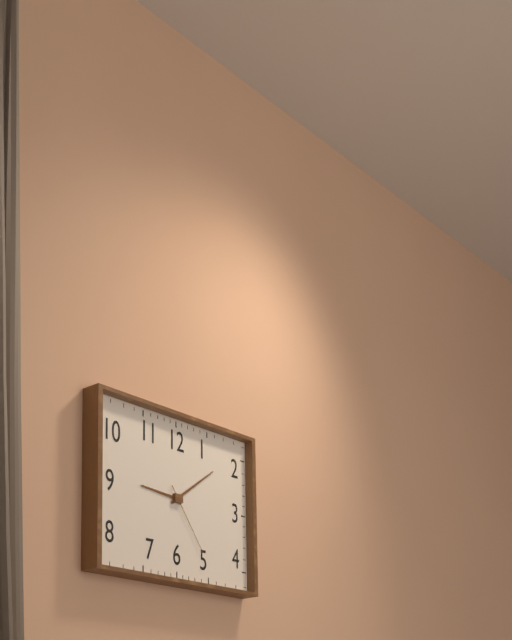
9:09:24
